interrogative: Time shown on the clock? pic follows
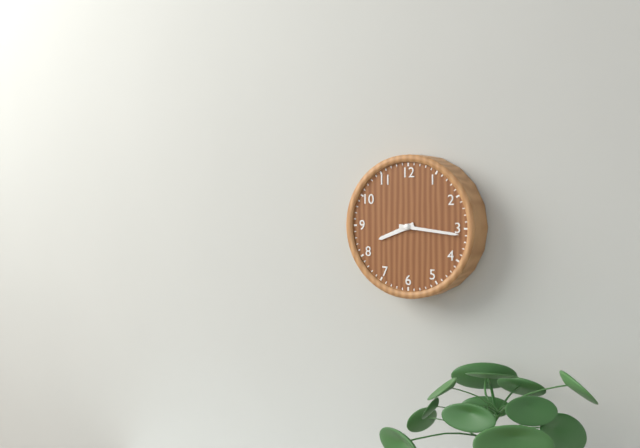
8:16
